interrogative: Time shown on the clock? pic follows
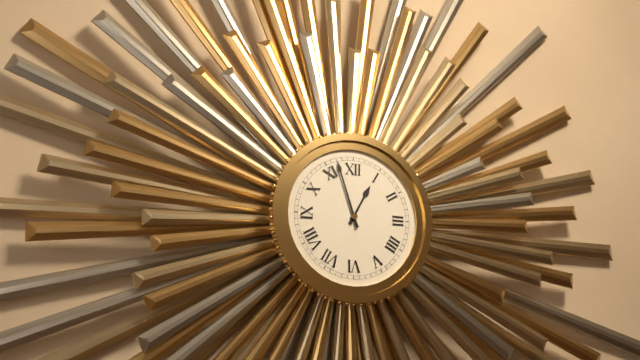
12:57
